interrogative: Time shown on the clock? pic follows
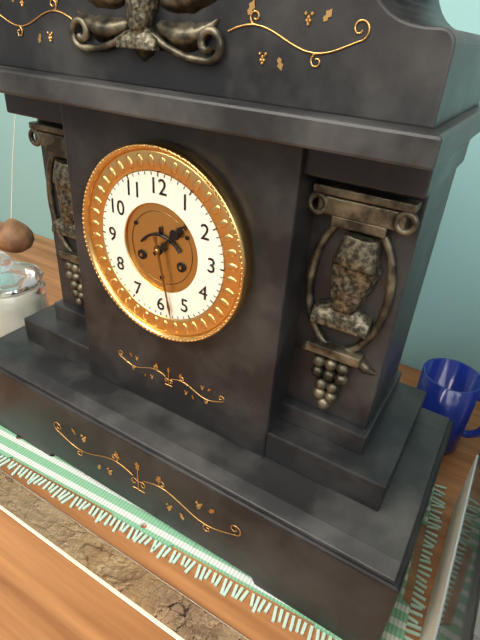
1:28
